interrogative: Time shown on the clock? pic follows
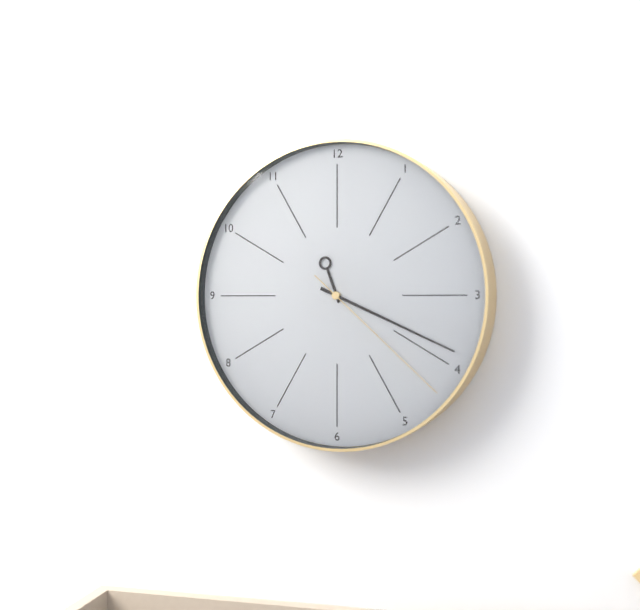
11:19:22
